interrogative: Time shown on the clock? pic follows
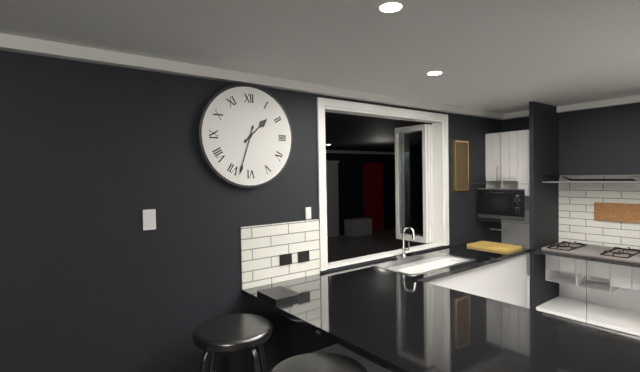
1:33
